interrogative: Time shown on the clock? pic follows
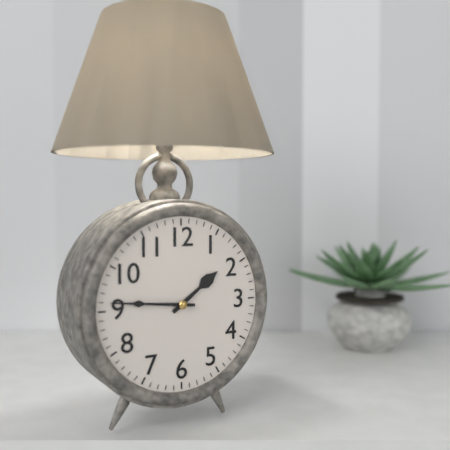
1:46
